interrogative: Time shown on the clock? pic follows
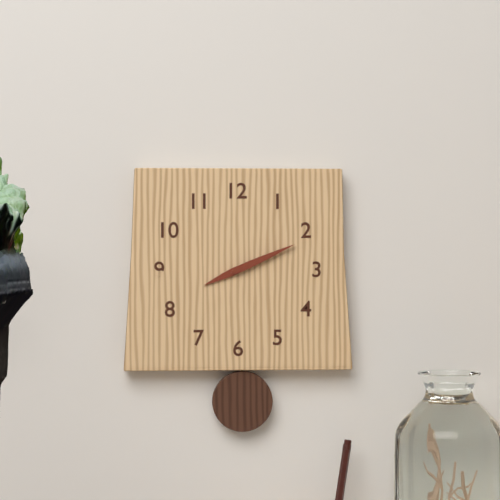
8:11
